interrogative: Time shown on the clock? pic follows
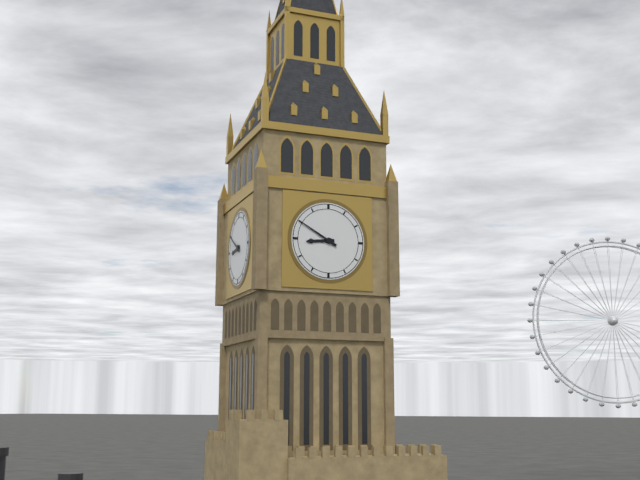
8:50
